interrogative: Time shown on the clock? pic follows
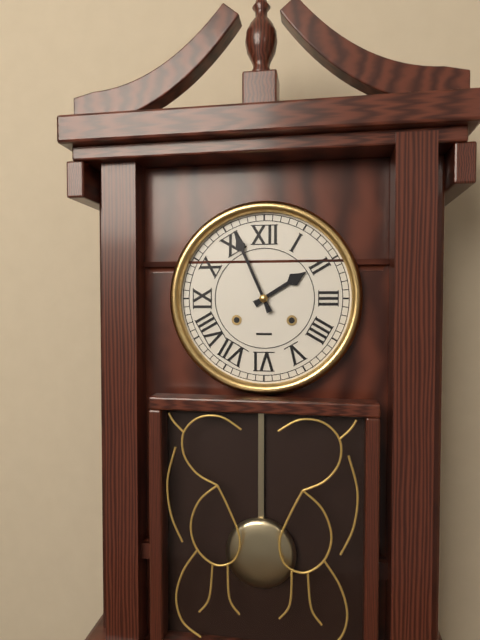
1:56
